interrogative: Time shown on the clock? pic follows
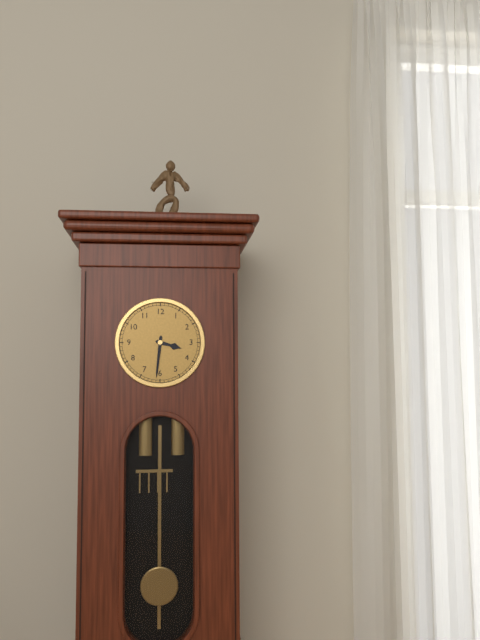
3:31
